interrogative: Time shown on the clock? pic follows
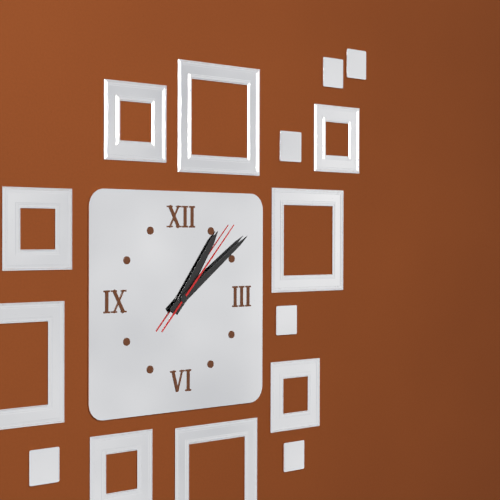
1:09:07
